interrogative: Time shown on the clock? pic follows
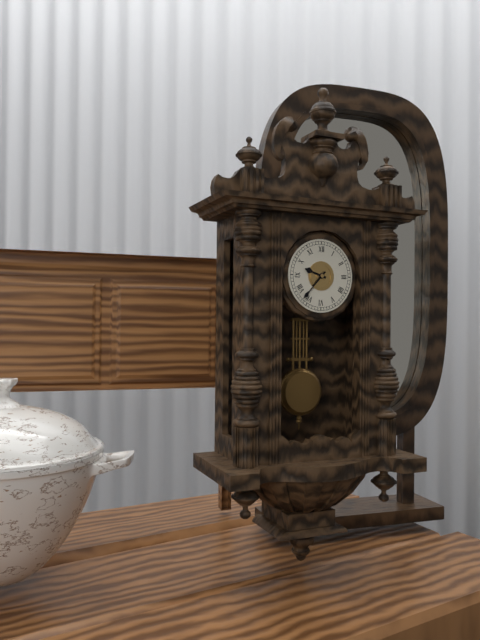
9:37
